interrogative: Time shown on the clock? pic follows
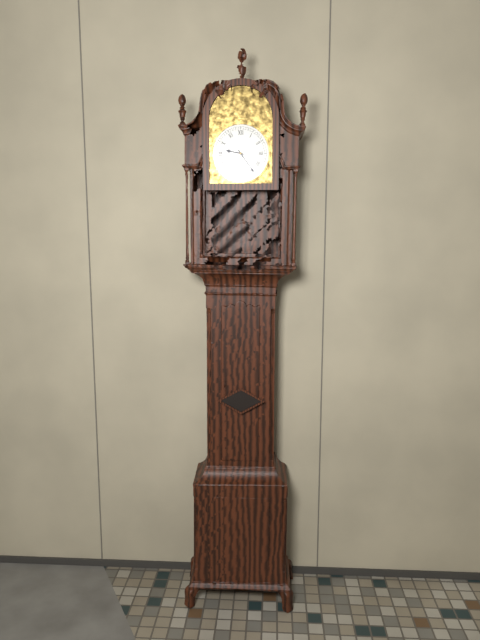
9:24
